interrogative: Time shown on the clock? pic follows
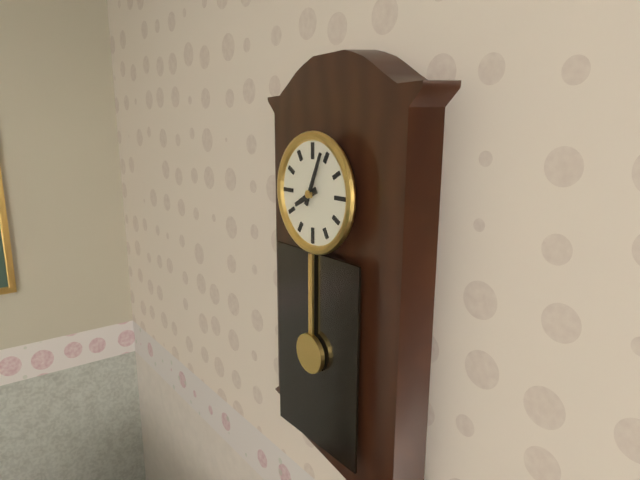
8:04
